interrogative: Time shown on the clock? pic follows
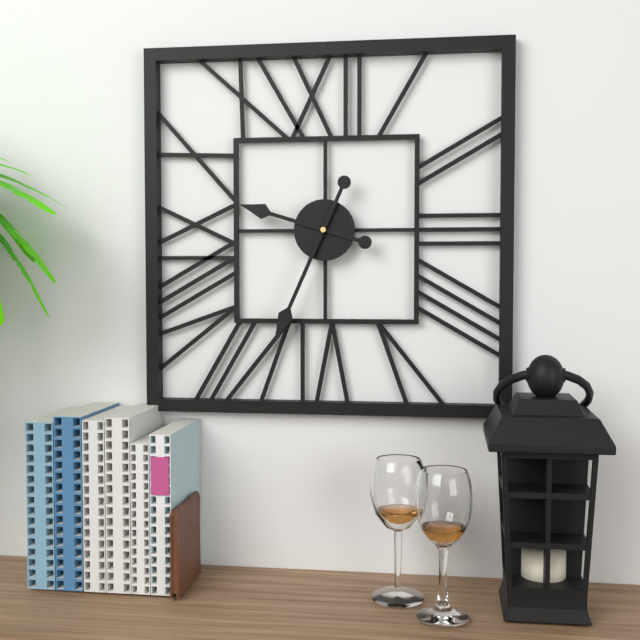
9:34
